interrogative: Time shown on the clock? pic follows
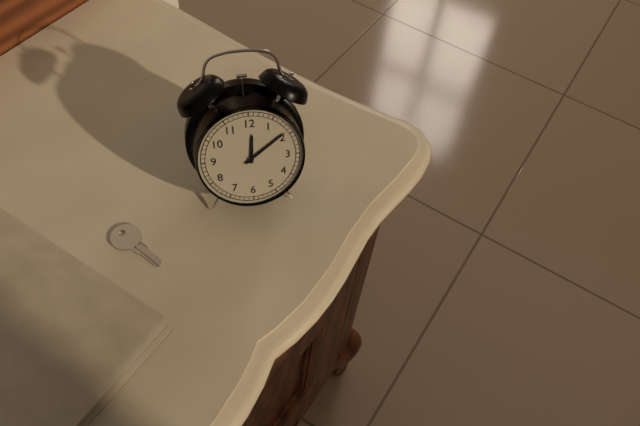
12:09
